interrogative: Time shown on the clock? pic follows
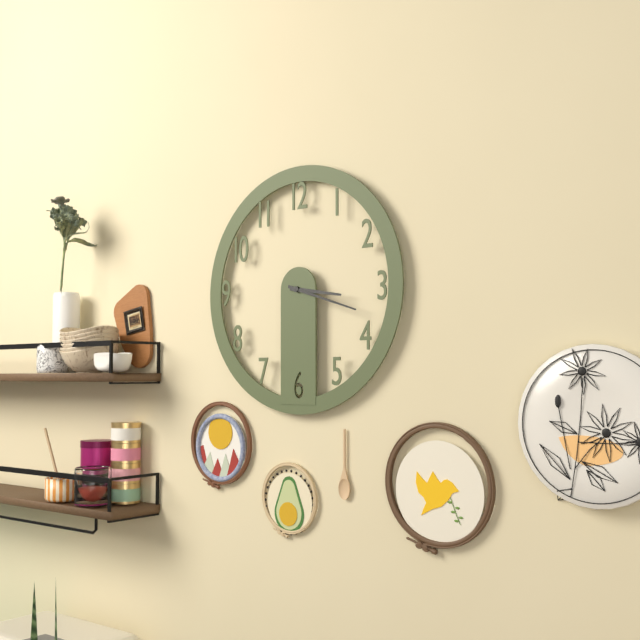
3:18
